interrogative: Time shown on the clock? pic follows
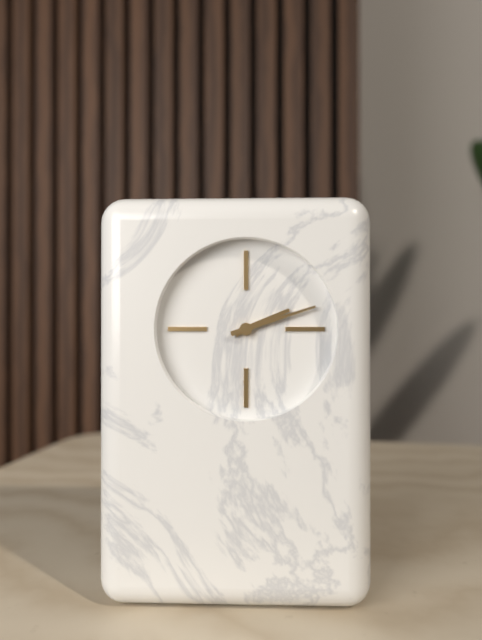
2:12
